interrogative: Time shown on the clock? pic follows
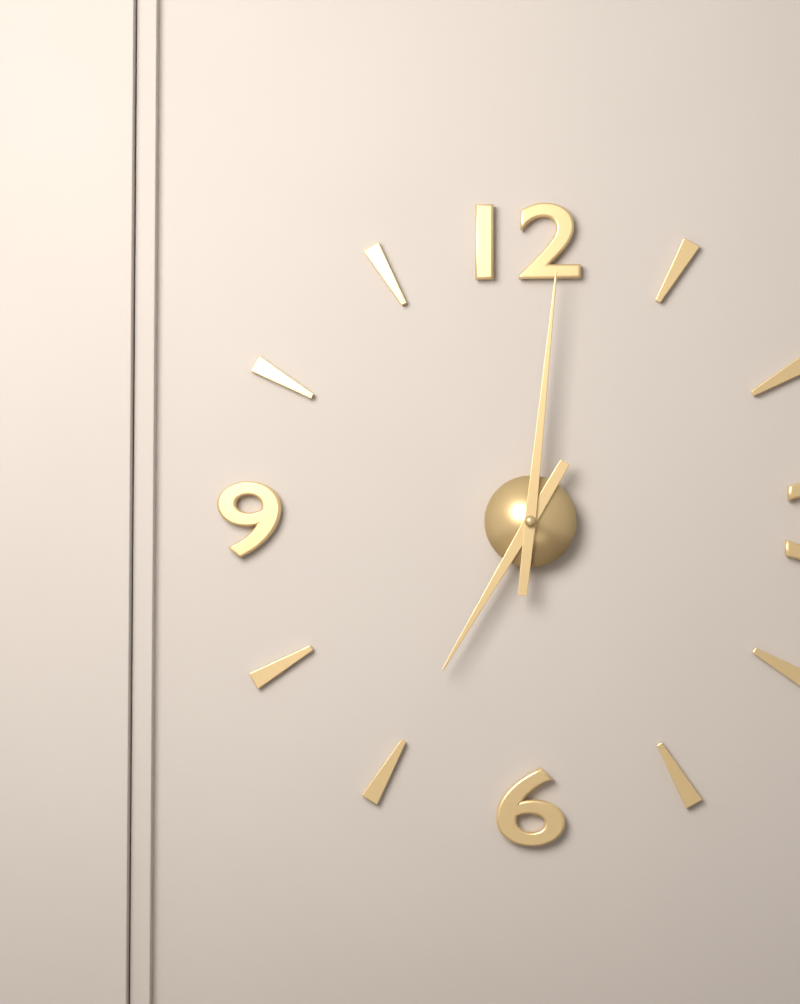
7:01
